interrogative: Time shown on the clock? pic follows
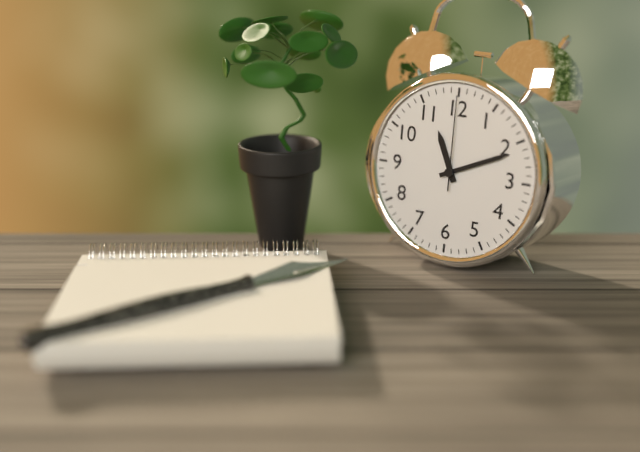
11:11:00
